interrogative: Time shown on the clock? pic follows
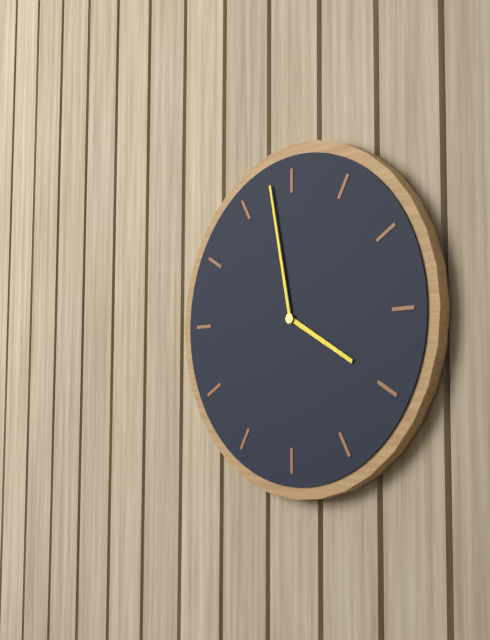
3:58
